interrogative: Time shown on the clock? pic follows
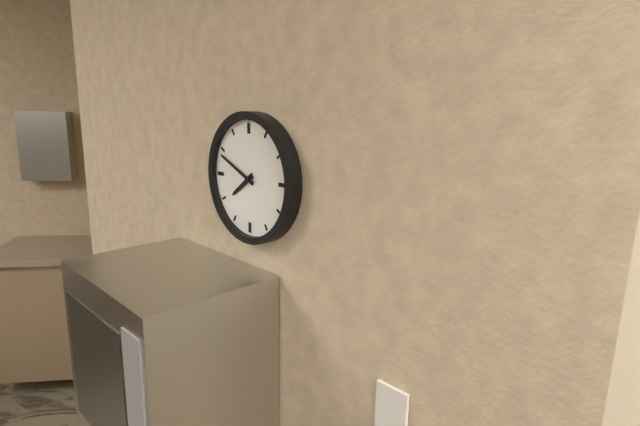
7:49
